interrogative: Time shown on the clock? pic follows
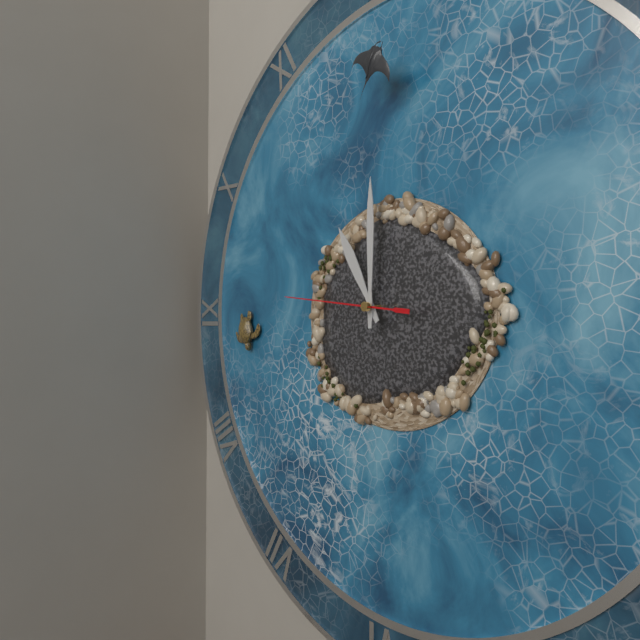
11:00:46
